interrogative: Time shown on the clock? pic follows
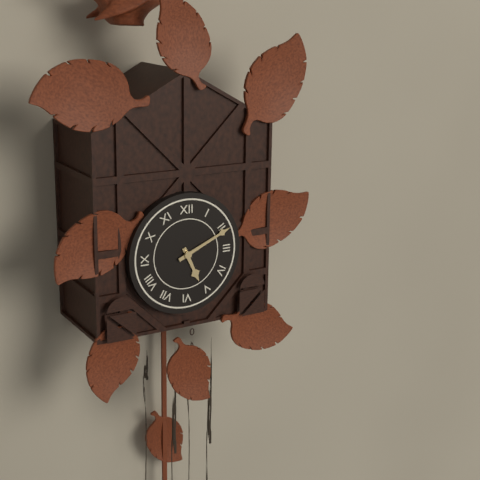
5:11
